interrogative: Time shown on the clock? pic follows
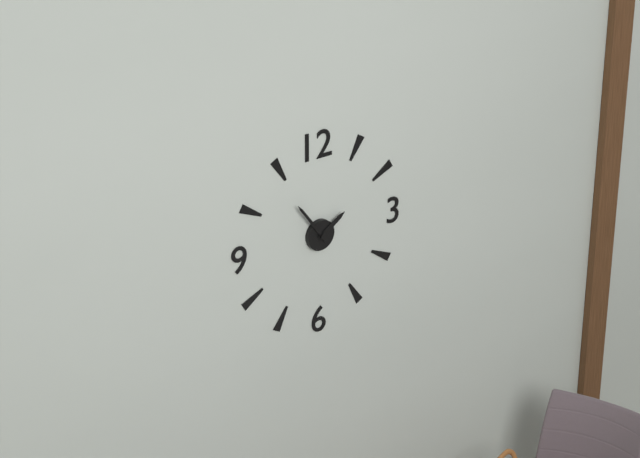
1:54
